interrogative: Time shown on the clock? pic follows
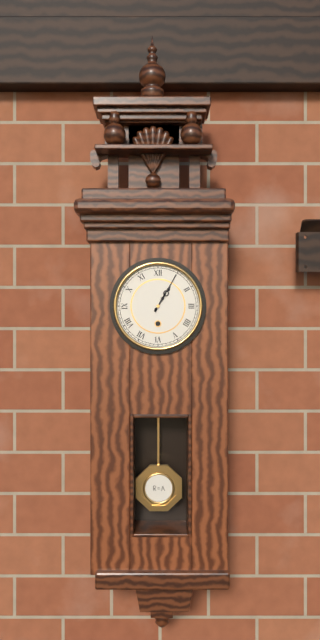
1:05
